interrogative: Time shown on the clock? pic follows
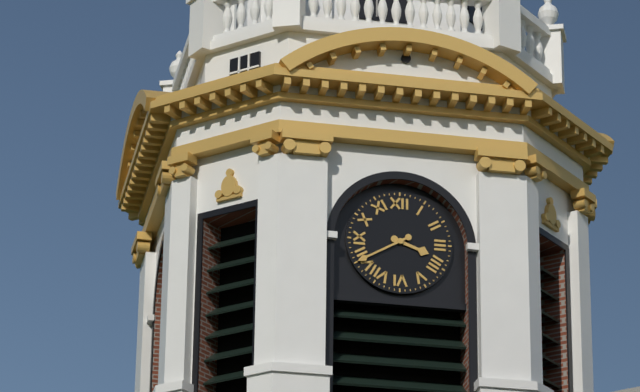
3:40
